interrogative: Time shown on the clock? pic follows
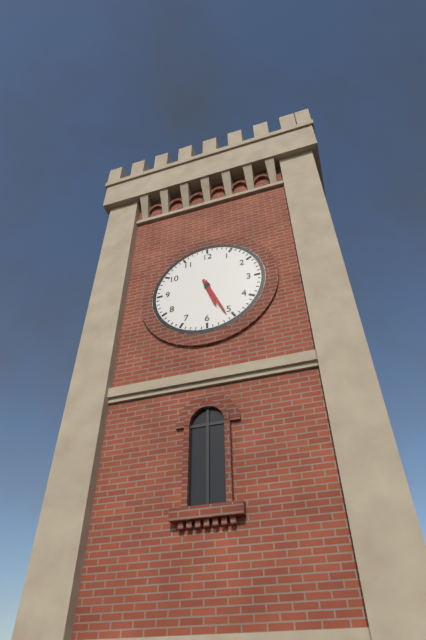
5:26
